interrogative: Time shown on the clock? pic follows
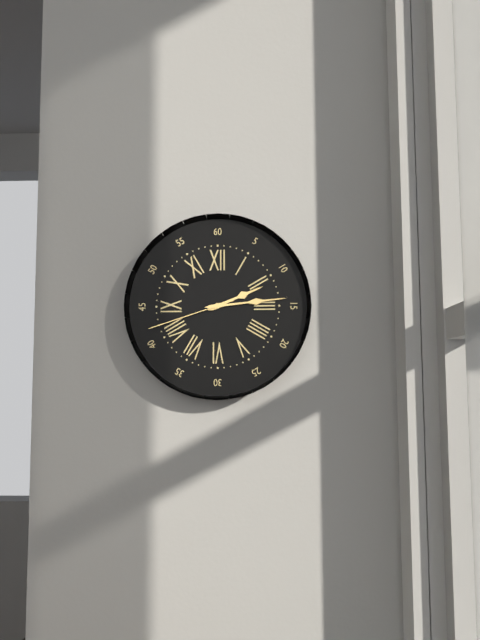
2:14:42
